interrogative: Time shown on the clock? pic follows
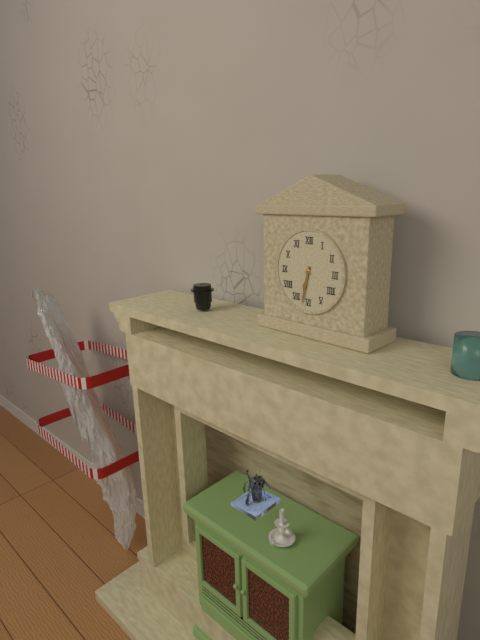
6:32
